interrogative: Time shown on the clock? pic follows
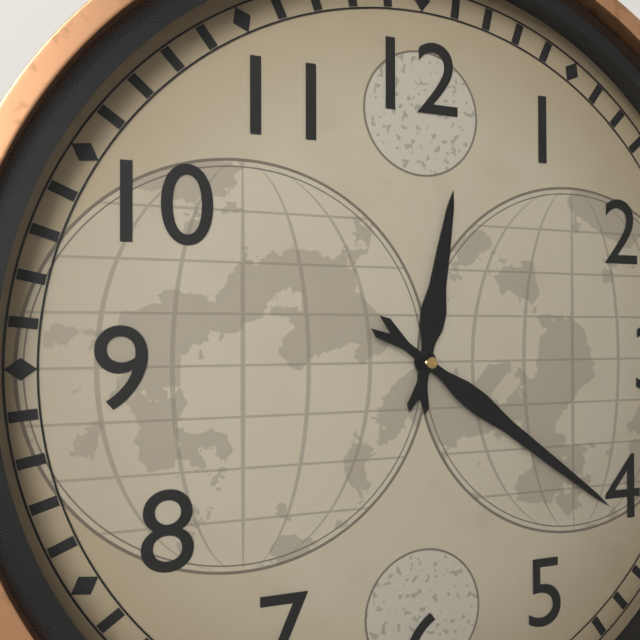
12:21
